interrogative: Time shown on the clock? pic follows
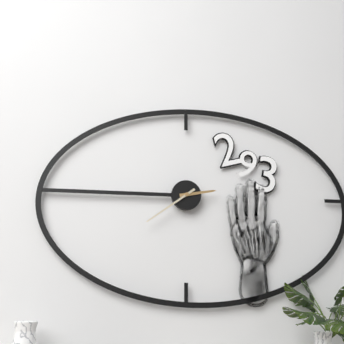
2:39
